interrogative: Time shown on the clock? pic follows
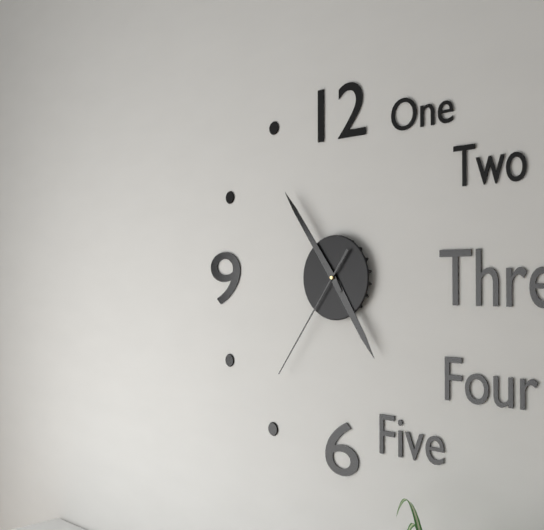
4:54:36
